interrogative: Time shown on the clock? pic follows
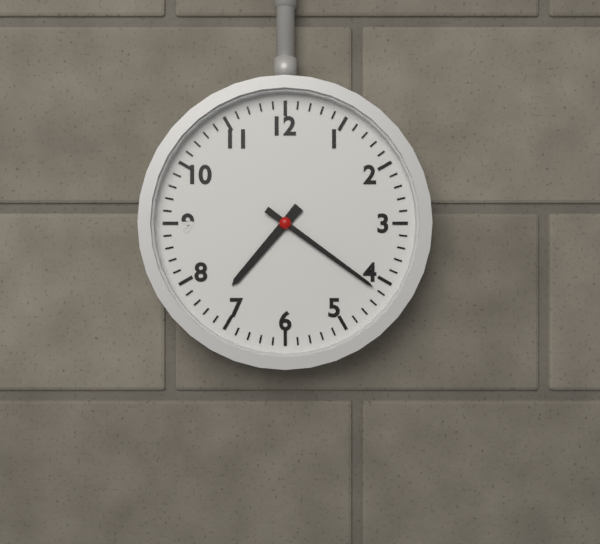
7:21
